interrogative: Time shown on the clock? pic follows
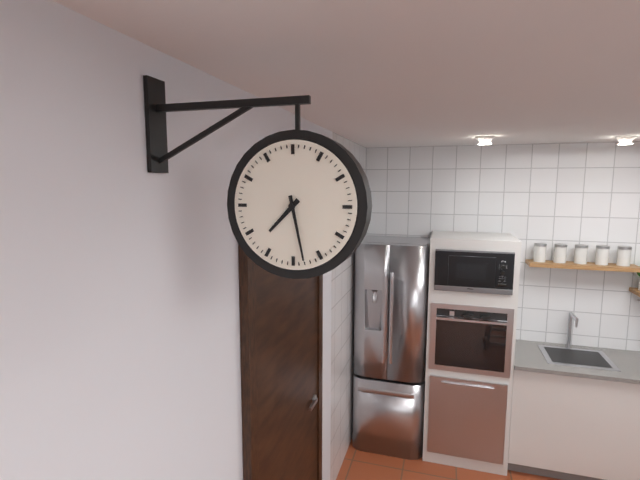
7:28
